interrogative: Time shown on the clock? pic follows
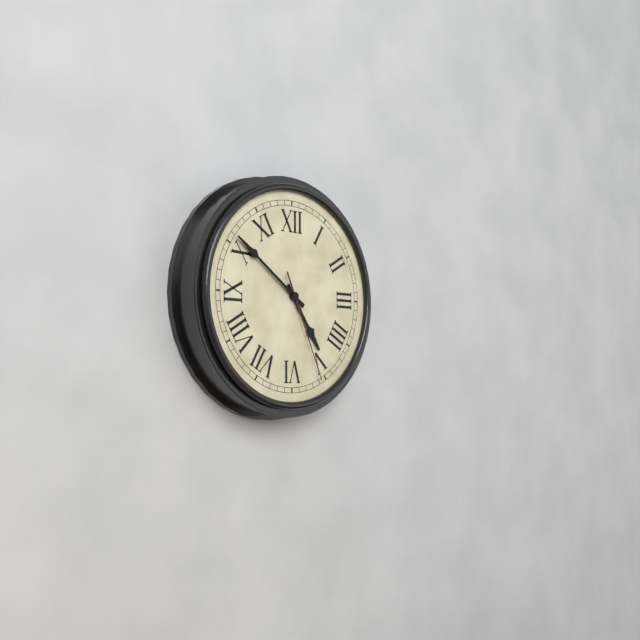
4:51:26
